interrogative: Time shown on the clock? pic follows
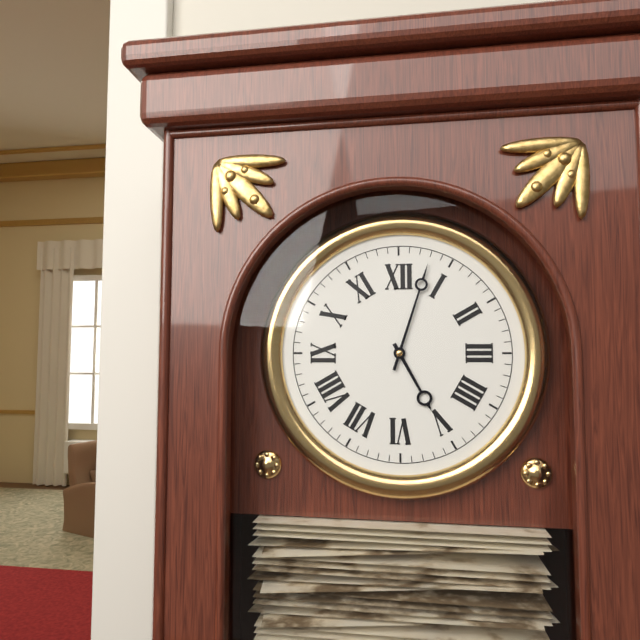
5:03
